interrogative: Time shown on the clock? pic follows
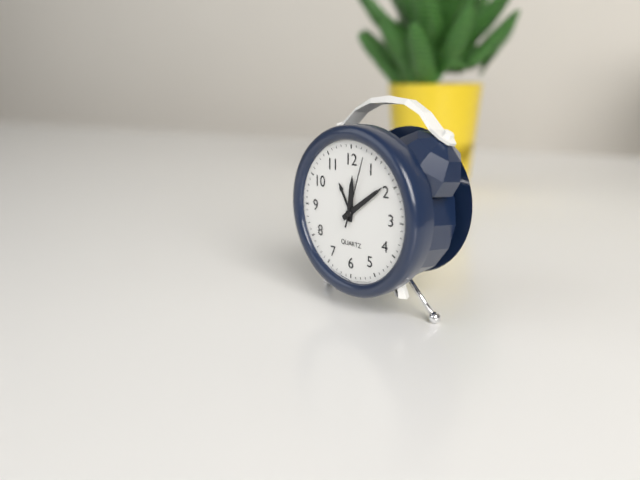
12:09:03
